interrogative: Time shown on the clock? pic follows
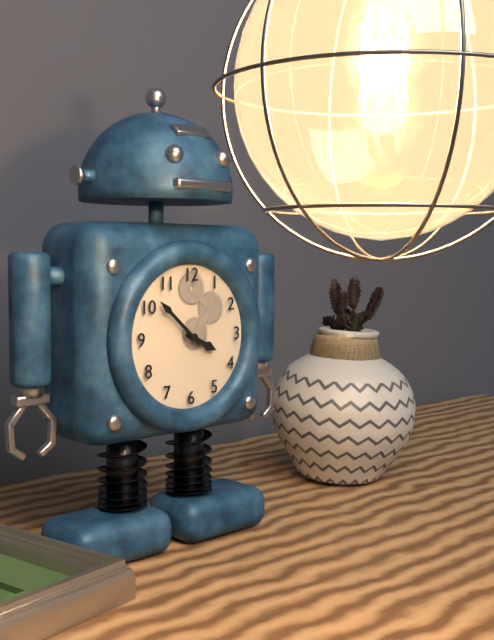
3:52
